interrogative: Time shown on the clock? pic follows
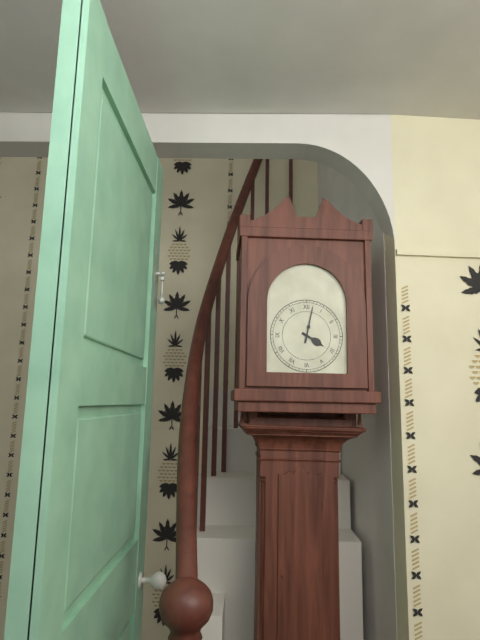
4:02
